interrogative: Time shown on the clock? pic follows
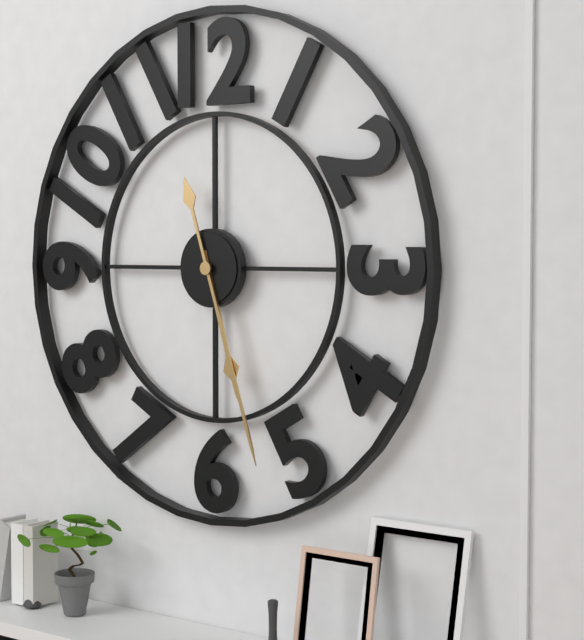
5:27
